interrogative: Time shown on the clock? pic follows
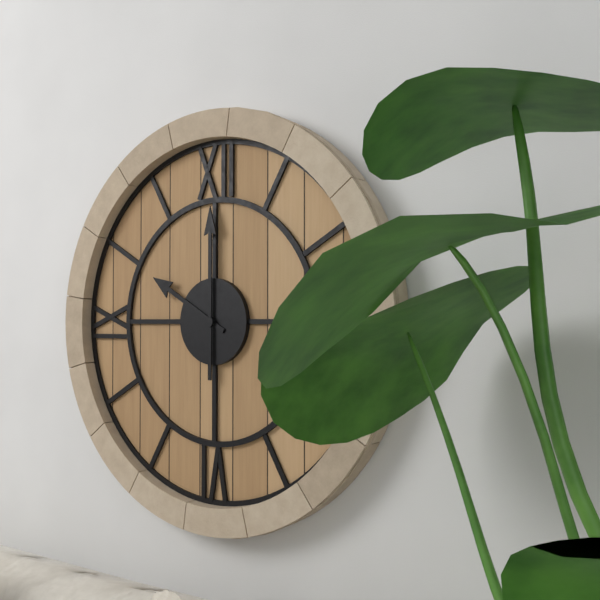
10:00
